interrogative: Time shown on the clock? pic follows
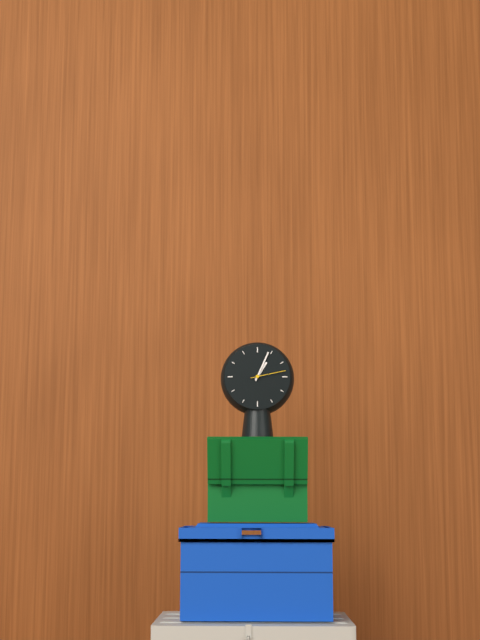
1:04
